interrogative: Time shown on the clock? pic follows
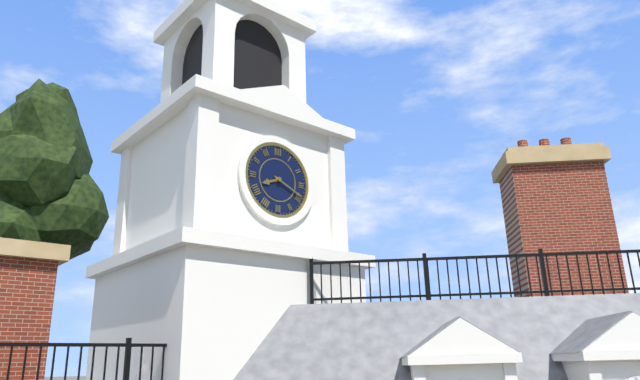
8:19
